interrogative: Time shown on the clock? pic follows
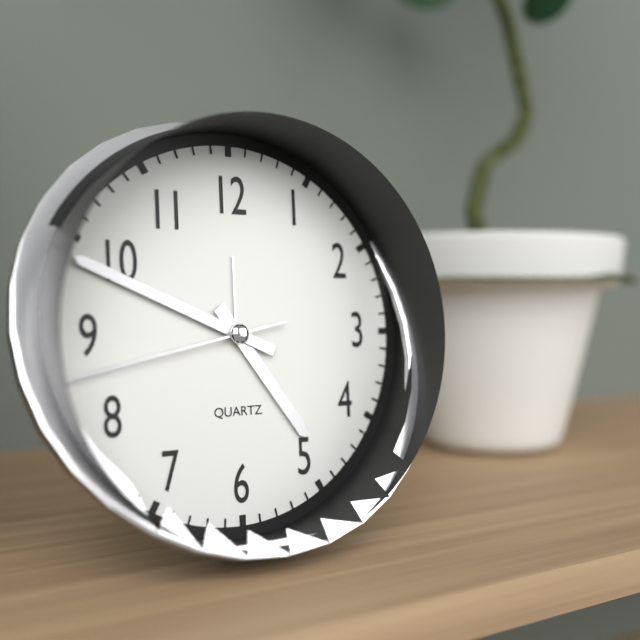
4:49:43
